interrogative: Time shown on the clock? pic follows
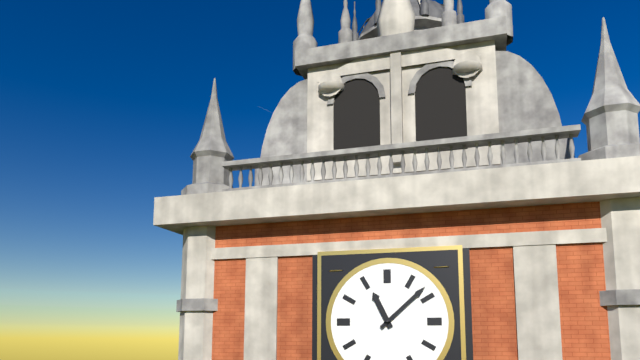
11:08
